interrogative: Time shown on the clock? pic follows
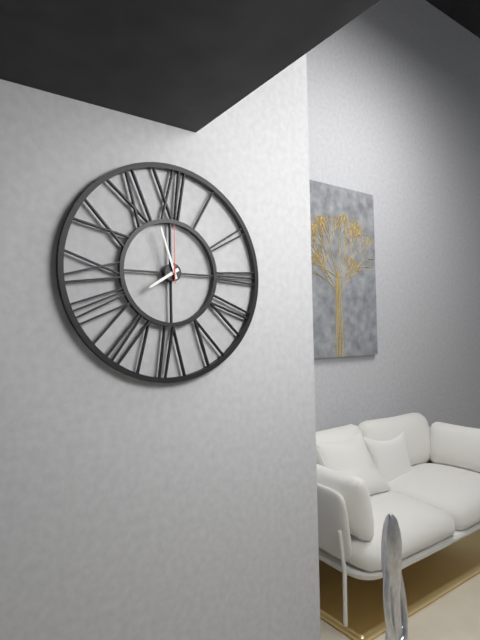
7:57:00
